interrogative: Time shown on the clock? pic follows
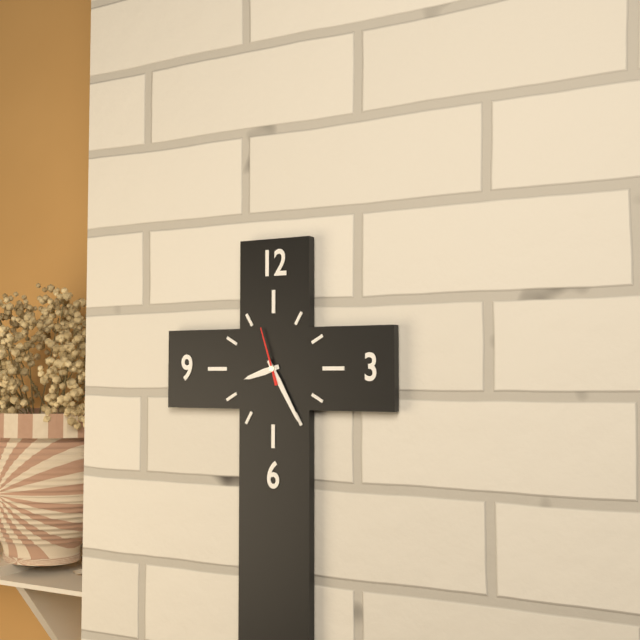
8:25:57
